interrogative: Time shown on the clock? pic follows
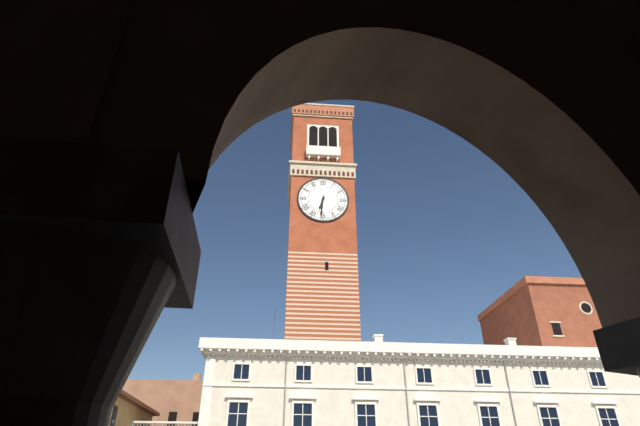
6:31
